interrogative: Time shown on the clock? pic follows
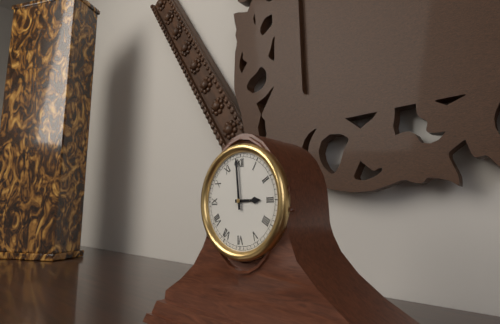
2:59
